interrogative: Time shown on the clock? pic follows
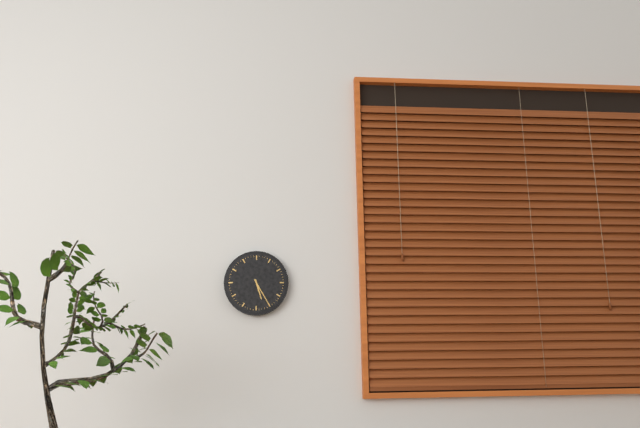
5:25
